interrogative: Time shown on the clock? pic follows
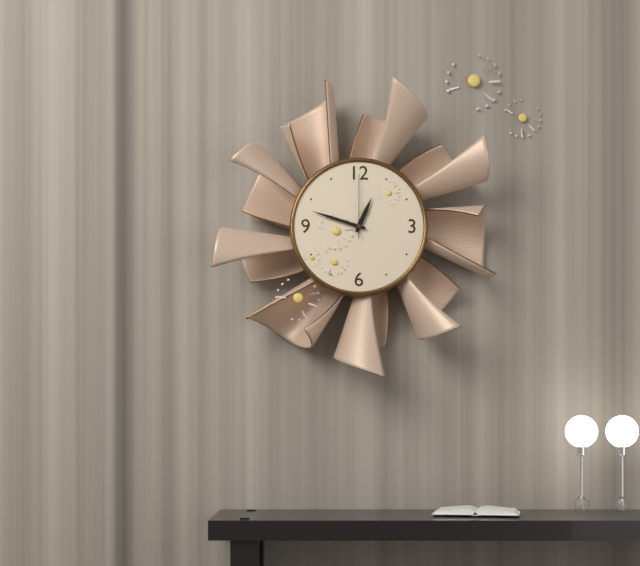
12:48:00
